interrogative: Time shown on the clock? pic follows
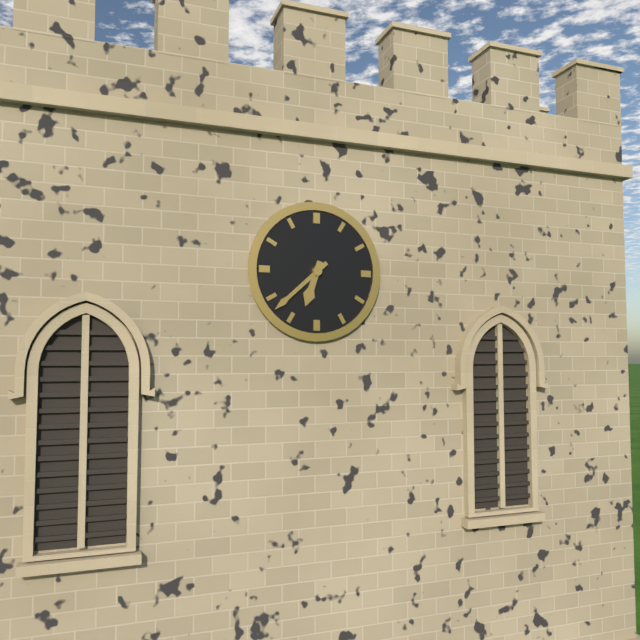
6:38
